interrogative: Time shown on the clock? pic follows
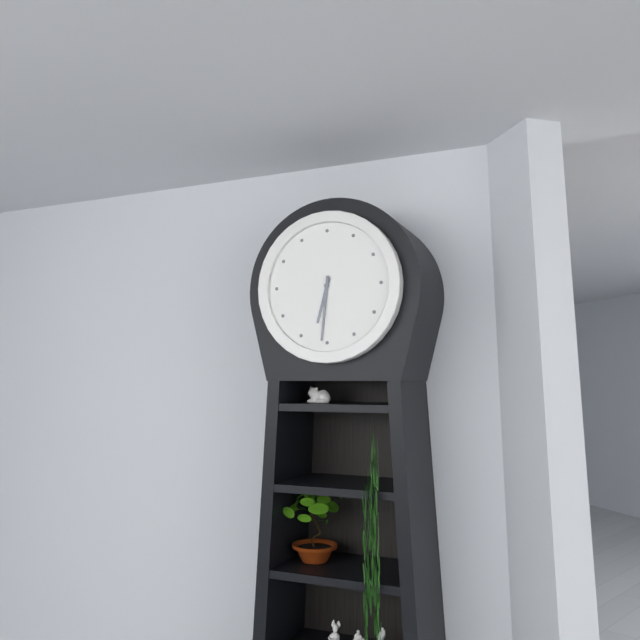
6:31
